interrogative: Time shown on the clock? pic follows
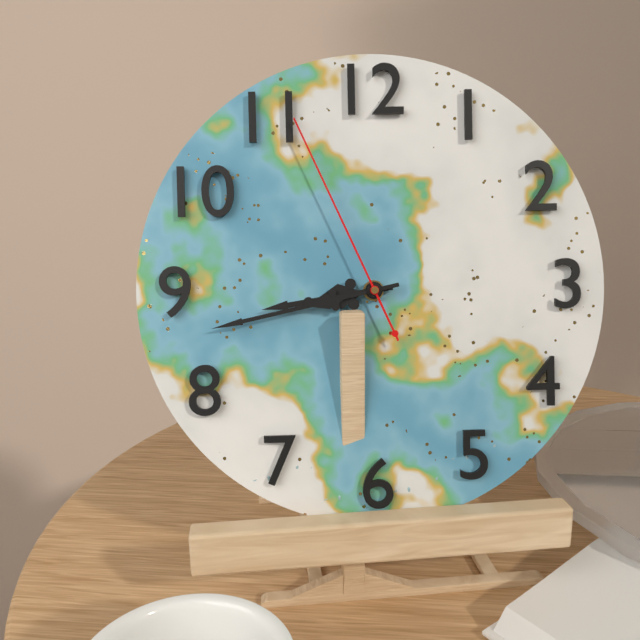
8:43:56
